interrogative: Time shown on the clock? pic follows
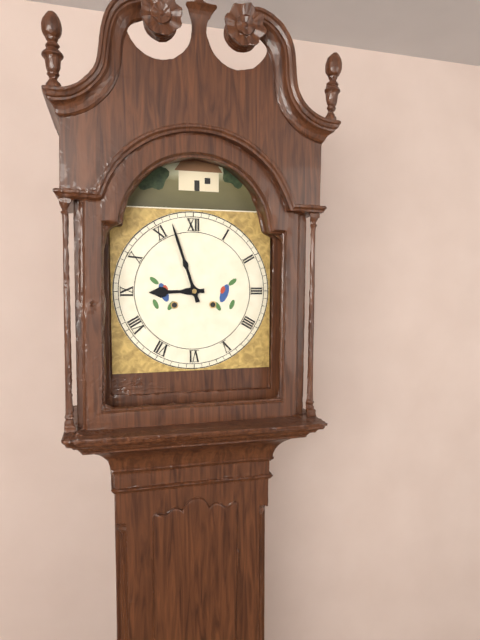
8:57
